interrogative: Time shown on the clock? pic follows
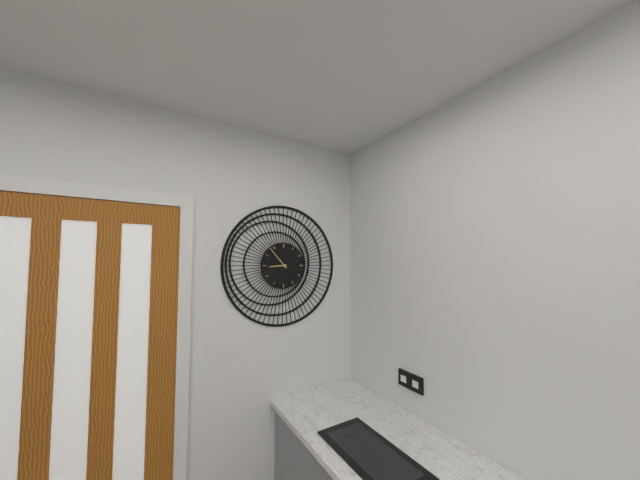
8:53
